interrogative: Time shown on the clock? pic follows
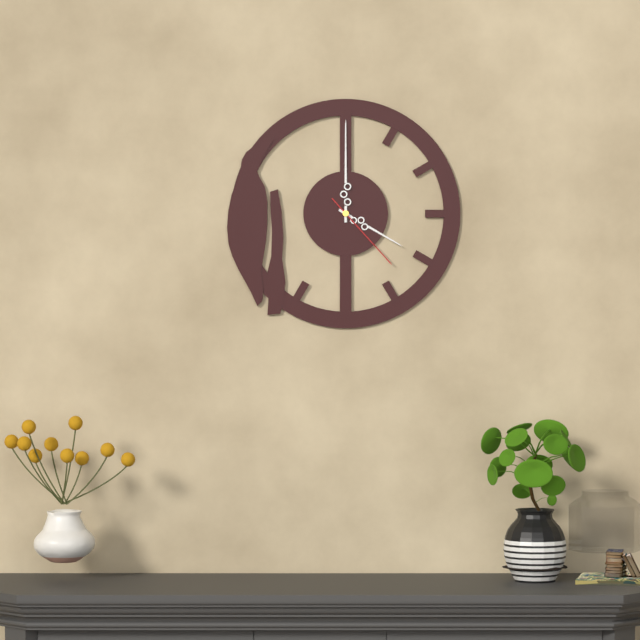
4:00:23
